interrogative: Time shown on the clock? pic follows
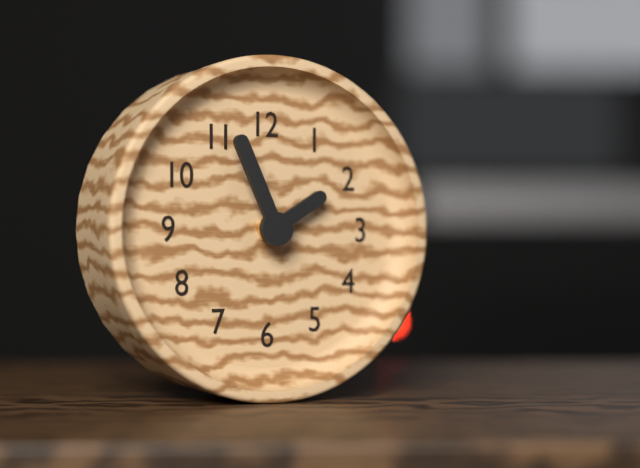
1:56
